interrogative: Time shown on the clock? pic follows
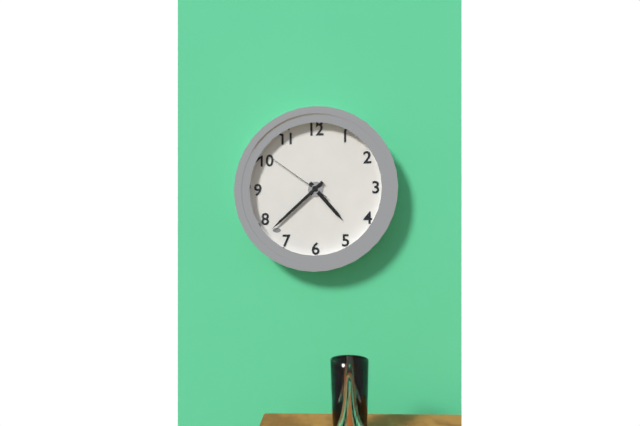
4:38:51
